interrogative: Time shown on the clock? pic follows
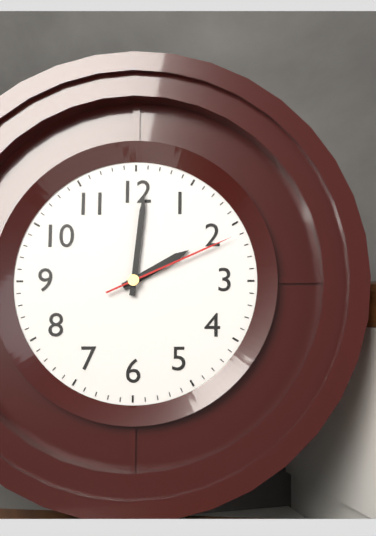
2:01:11
